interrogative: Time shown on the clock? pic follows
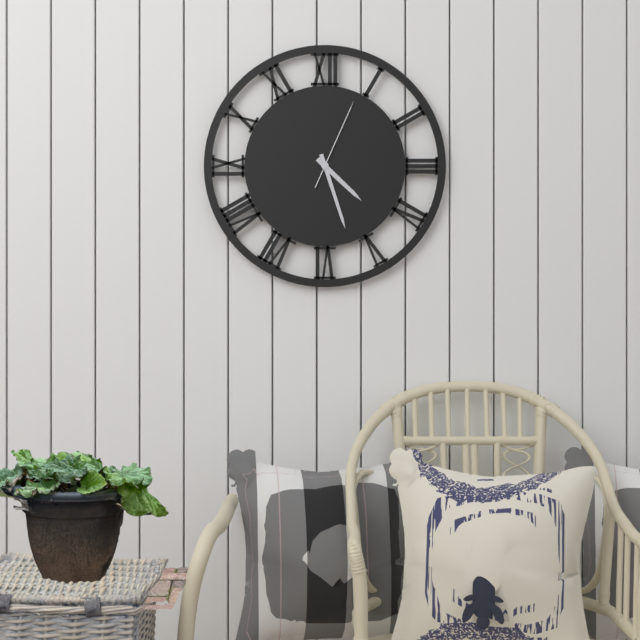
4:27:04
